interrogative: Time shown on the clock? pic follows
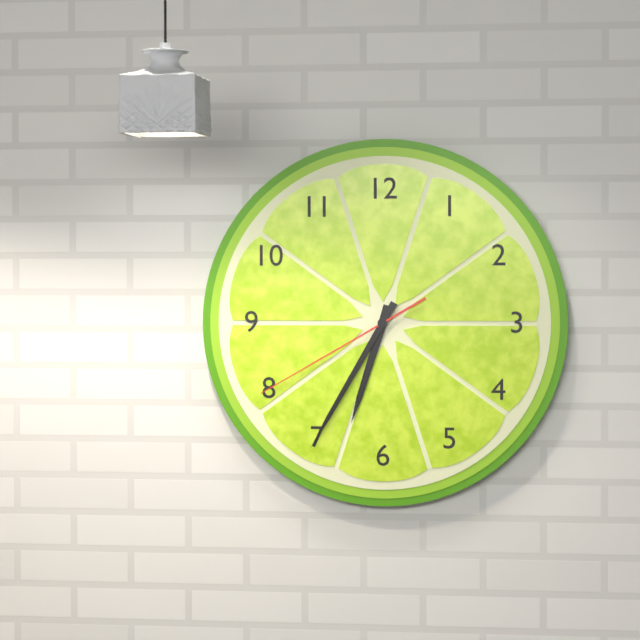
6:35:40
